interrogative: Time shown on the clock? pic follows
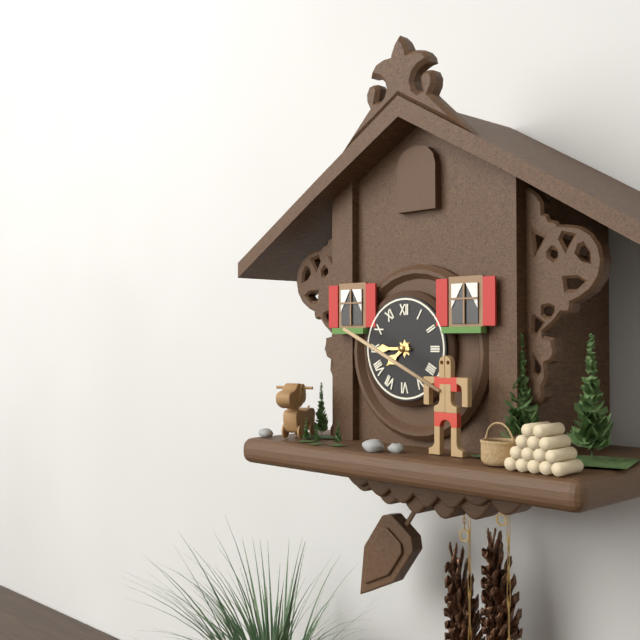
7:45
